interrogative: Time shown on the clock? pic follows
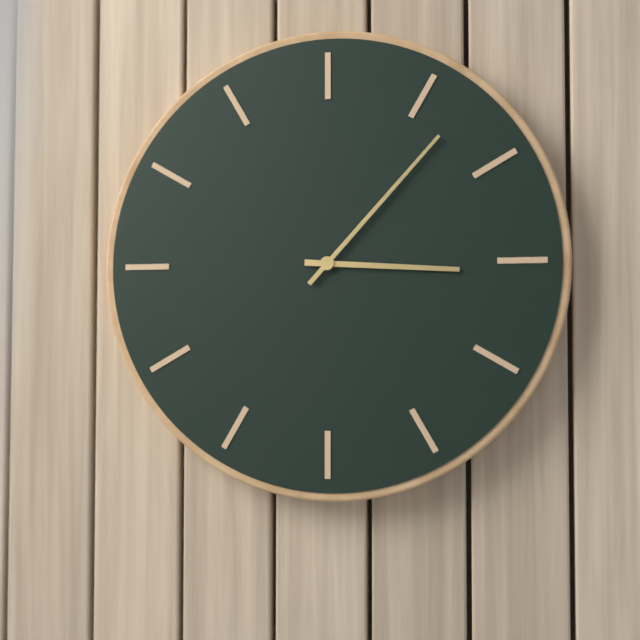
3:07
